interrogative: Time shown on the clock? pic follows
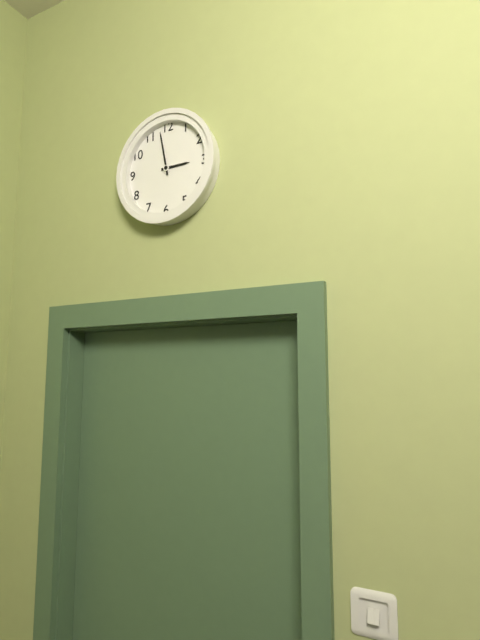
2:58
